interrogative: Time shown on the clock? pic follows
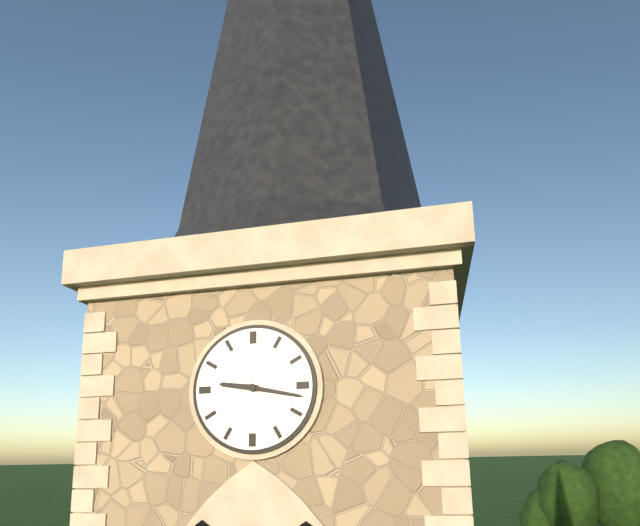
9:17
